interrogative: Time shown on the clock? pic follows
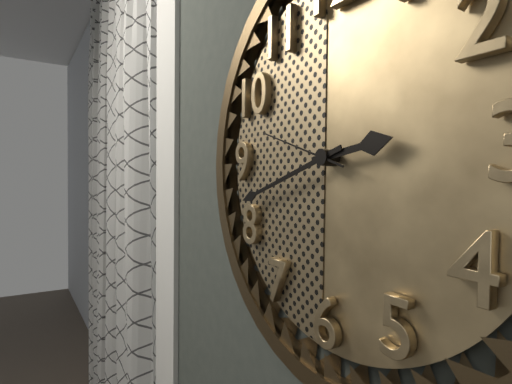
2:42:48
